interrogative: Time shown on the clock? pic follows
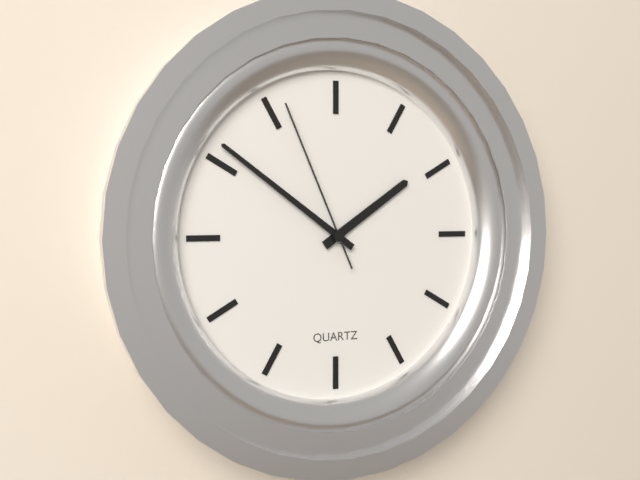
1:51:56
